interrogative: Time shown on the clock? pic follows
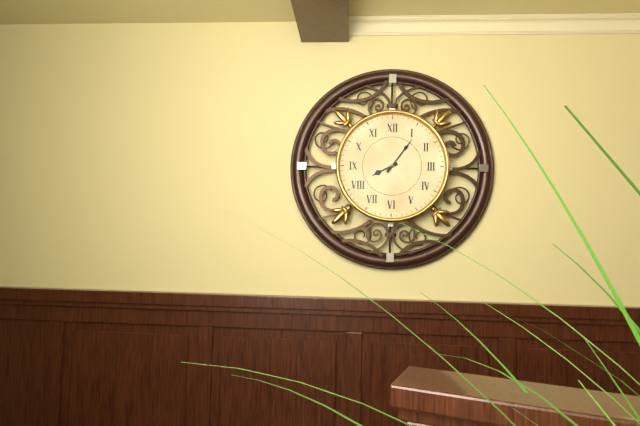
8:06
